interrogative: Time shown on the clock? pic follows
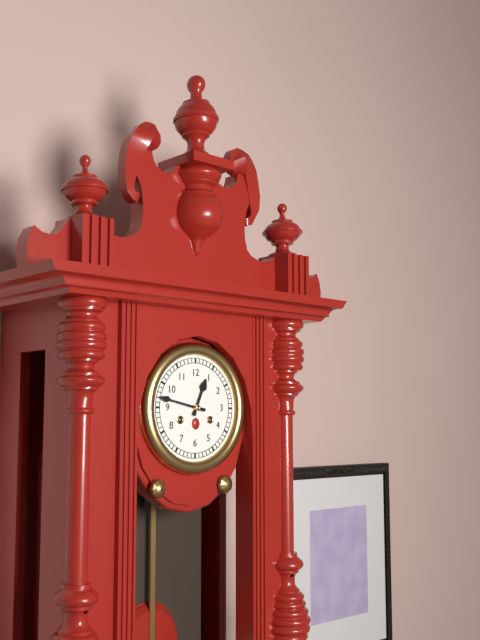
12:47
